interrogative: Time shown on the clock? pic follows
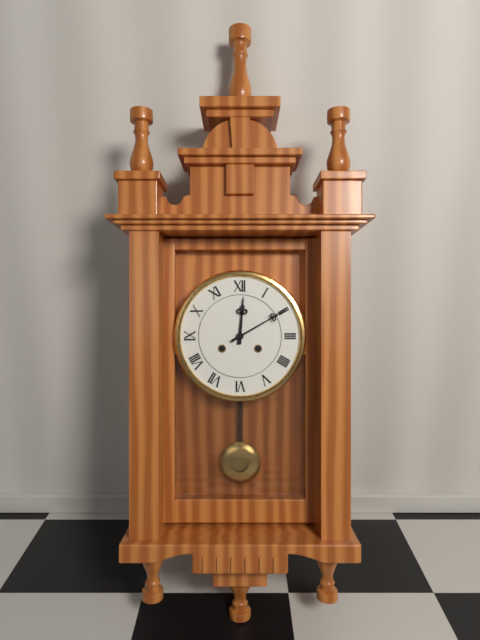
12:10
